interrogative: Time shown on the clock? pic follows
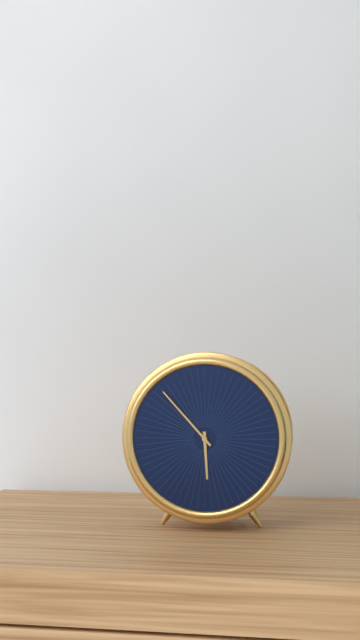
5:53
